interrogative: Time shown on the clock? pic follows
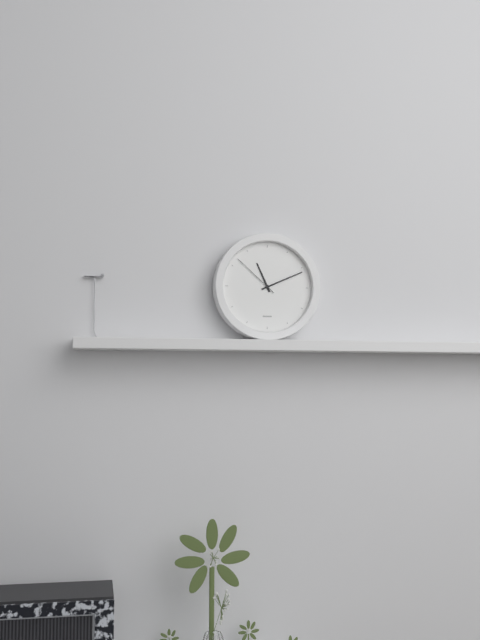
11:11:52
